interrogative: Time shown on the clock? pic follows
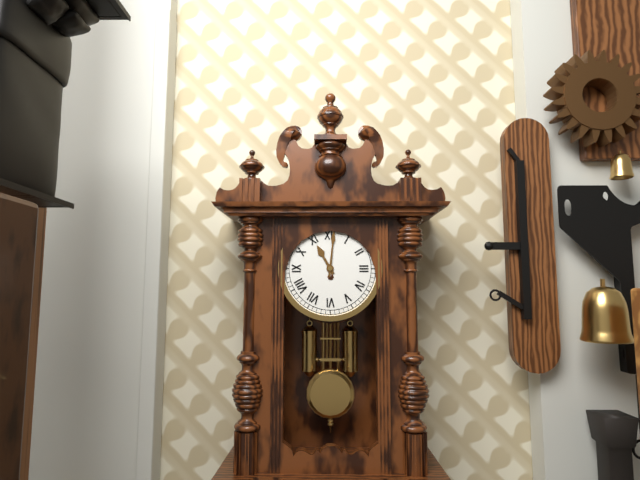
11:01
